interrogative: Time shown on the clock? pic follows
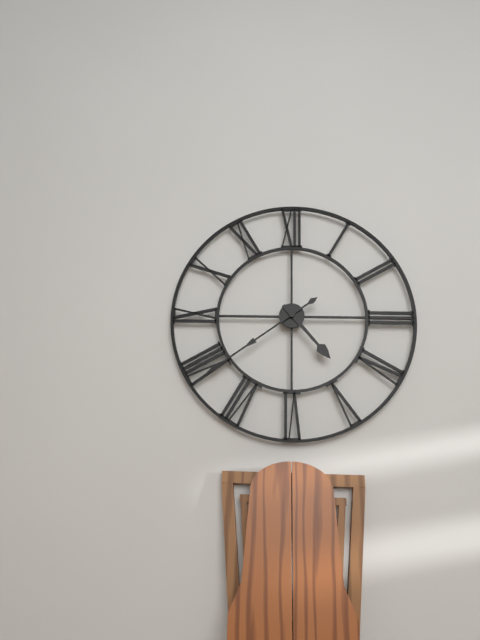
4:39
